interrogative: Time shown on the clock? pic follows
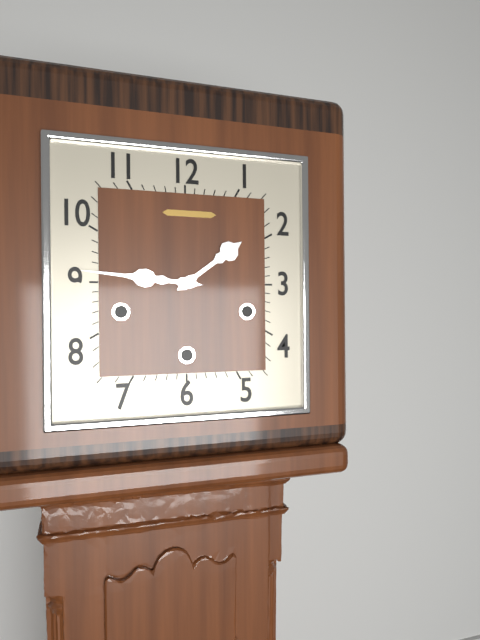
1:46
